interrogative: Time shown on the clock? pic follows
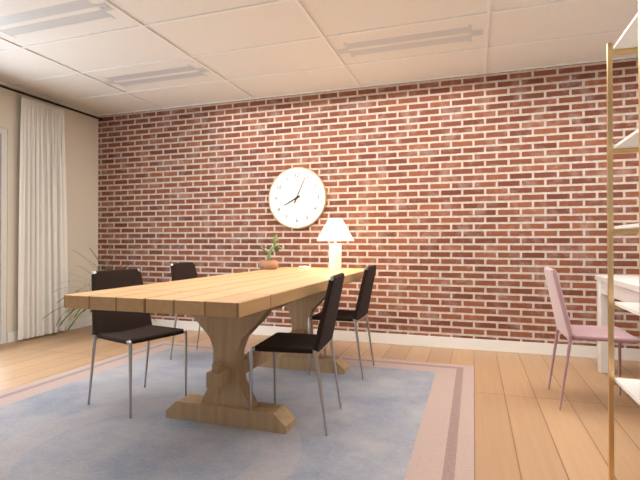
8:04
